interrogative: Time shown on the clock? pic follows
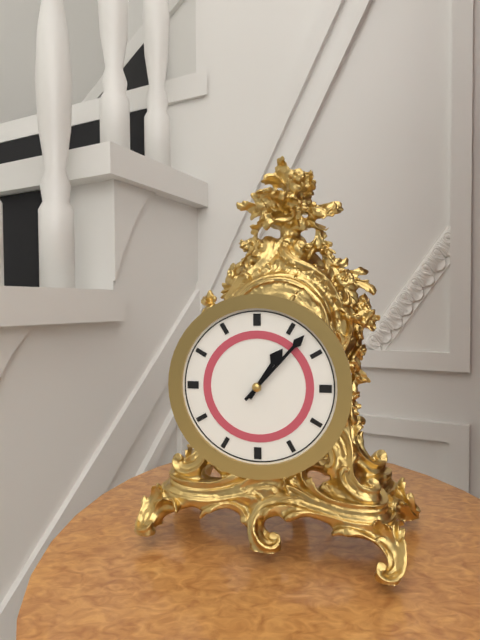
1:07
